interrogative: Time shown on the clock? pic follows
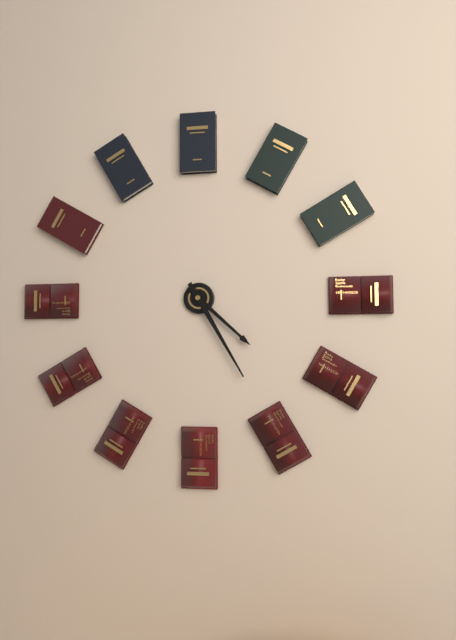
4:25
